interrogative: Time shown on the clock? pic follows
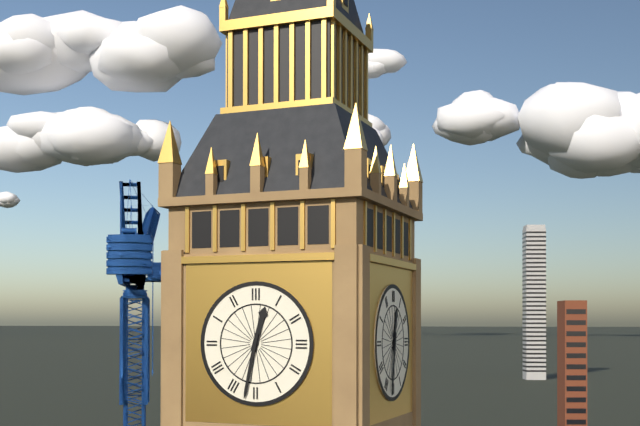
12:32
